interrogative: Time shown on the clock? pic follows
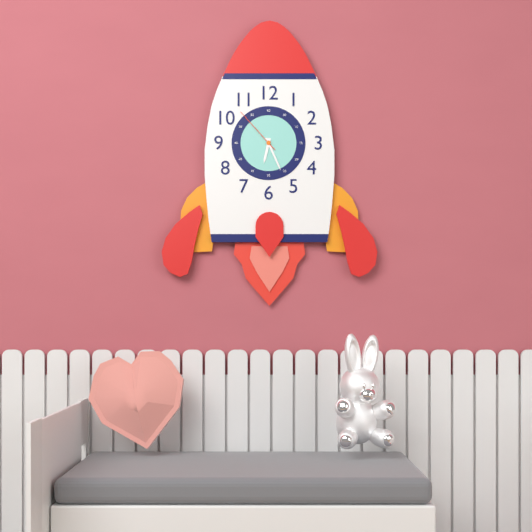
6:26:53
